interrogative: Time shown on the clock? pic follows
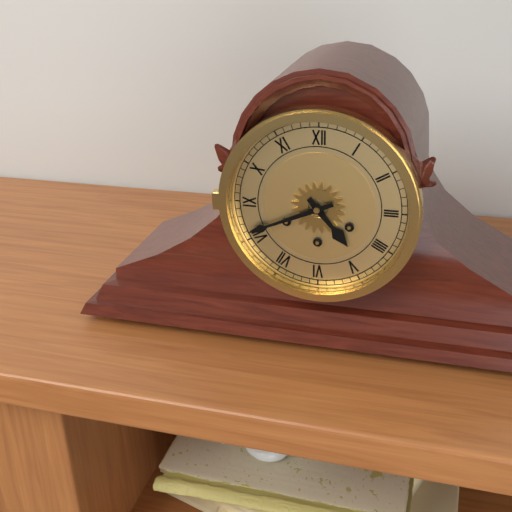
4:41
